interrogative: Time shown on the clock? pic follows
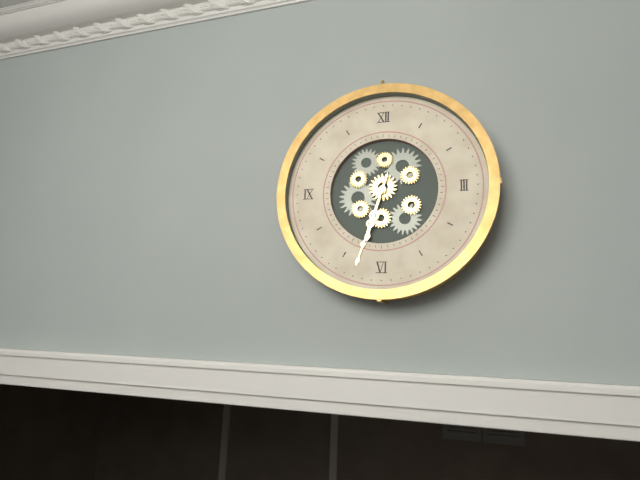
6:33
